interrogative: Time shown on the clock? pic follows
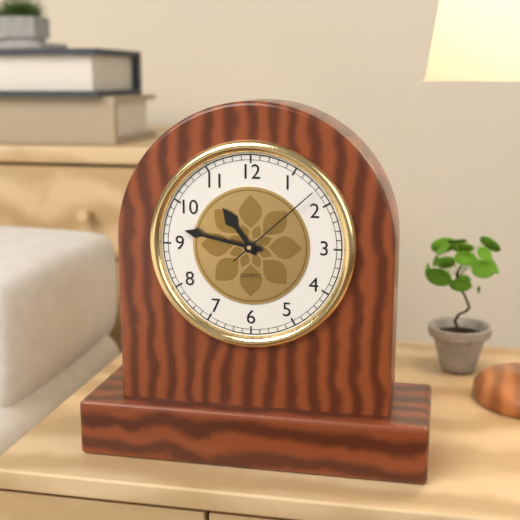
10:47:08
